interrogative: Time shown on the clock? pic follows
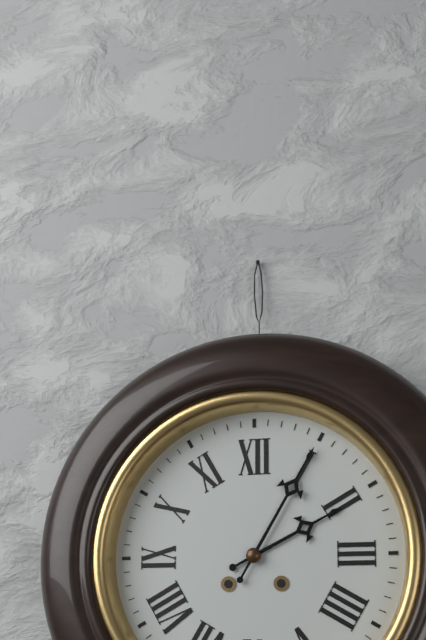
2:05
